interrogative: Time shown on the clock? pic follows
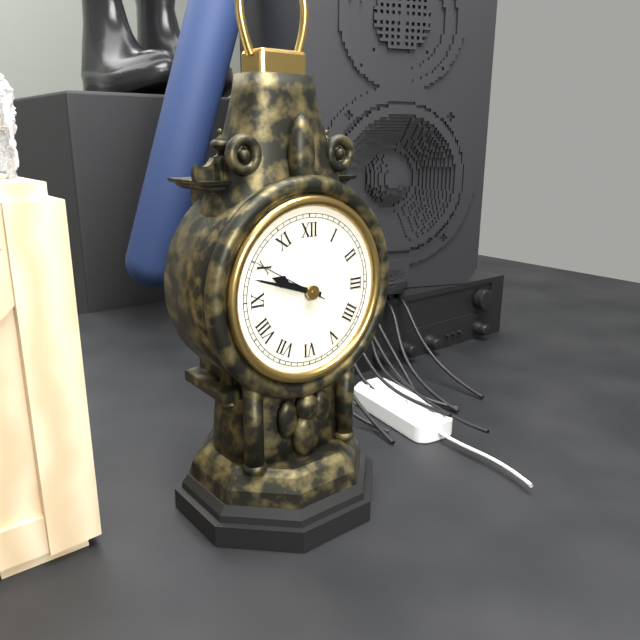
9:48:50
